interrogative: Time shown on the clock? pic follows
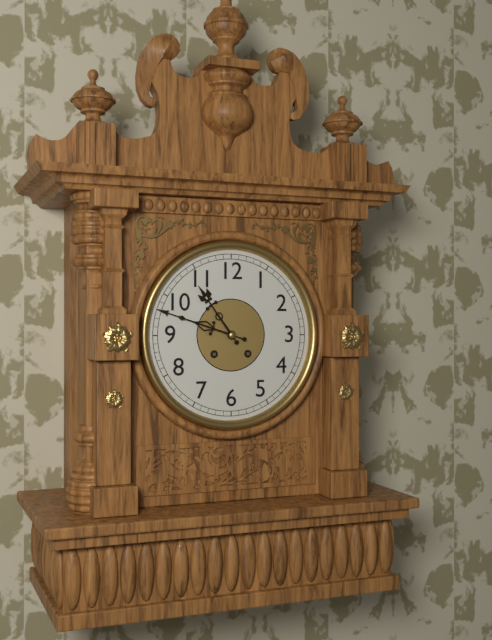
10:48
